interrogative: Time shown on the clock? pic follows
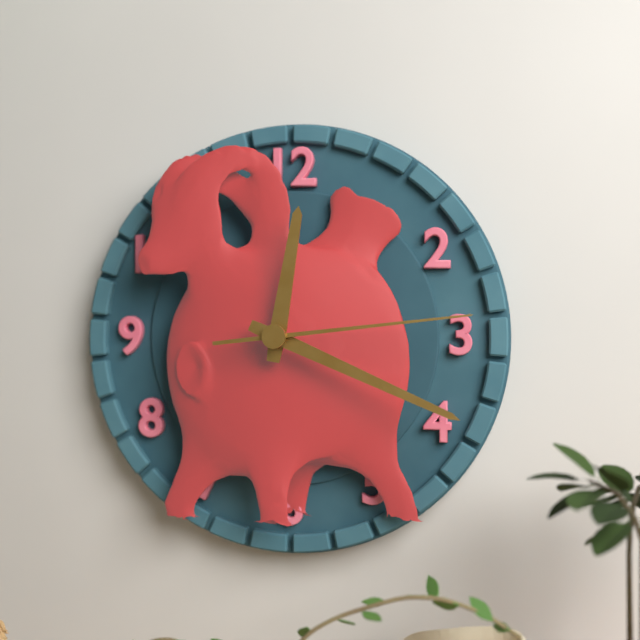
12:19:14
